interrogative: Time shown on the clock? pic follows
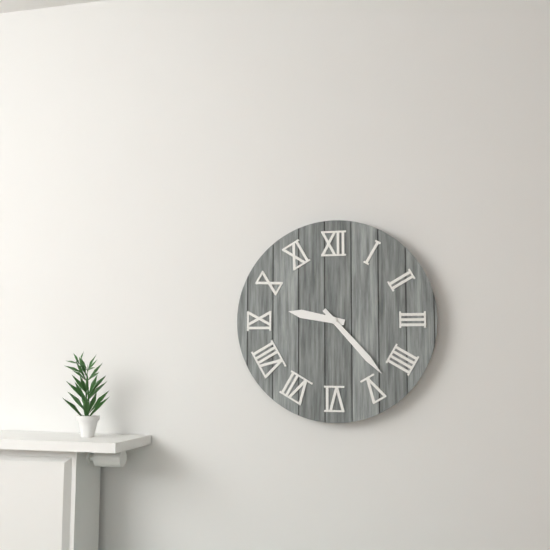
9:23
